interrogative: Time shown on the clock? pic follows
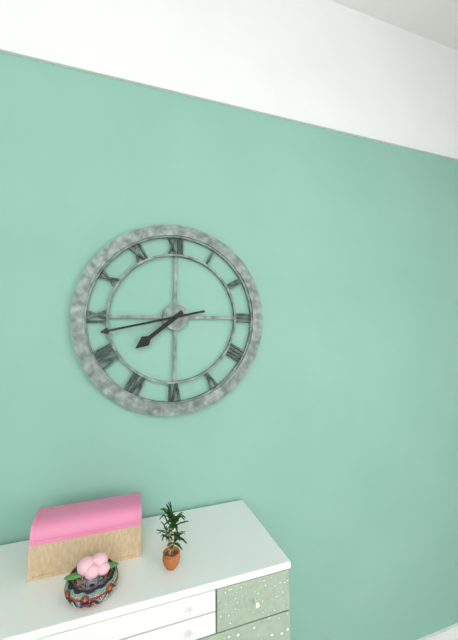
7:43
